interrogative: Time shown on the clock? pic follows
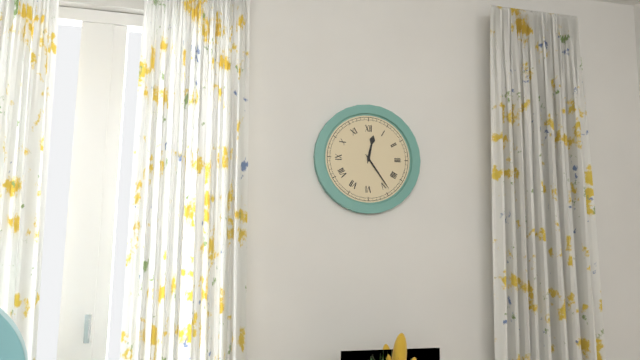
12:24
